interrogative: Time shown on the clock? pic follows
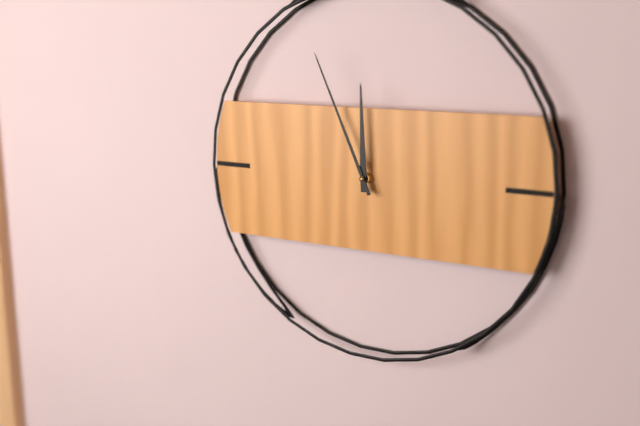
11:56
